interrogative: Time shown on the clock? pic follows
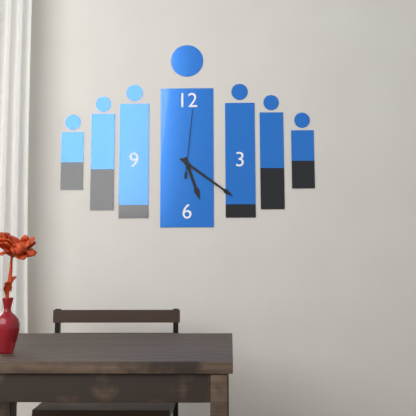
5:21:01
